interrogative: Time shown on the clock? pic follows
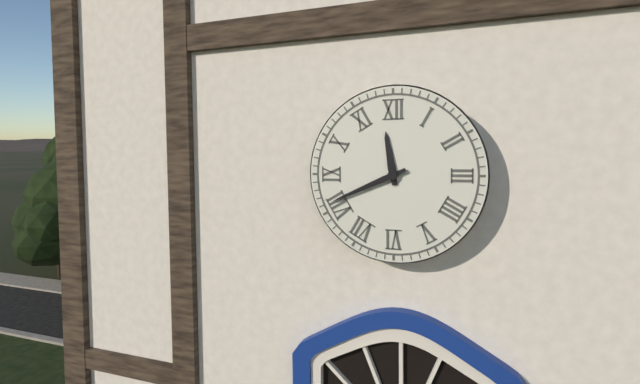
11:41
